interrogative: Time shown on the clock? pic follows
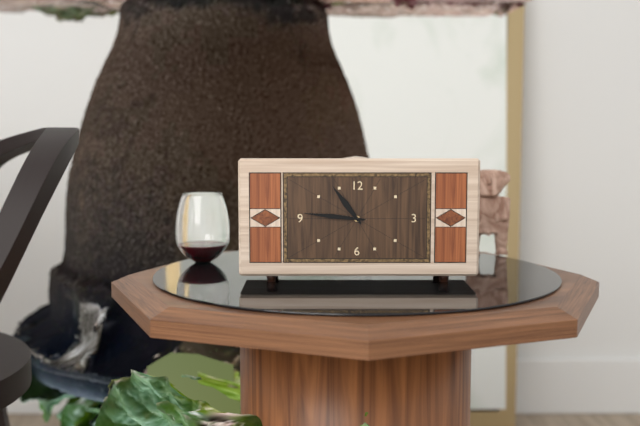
10:46
